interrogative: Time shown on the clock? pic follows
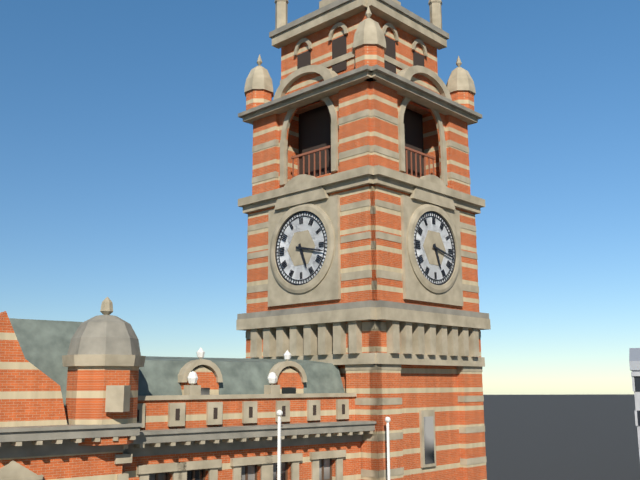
5:17
